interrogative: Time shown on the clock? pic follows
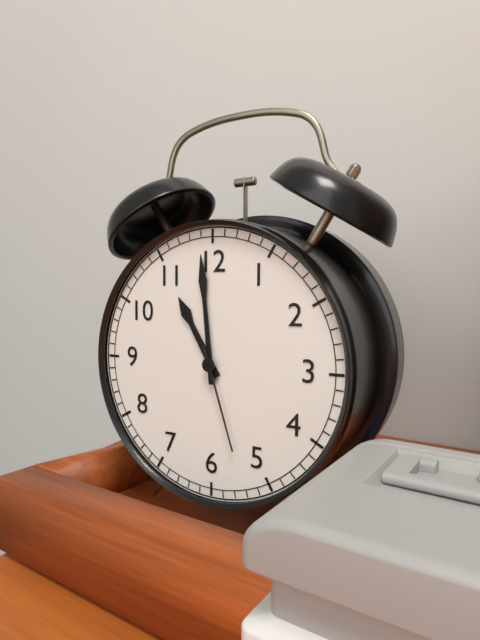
10:59:27
